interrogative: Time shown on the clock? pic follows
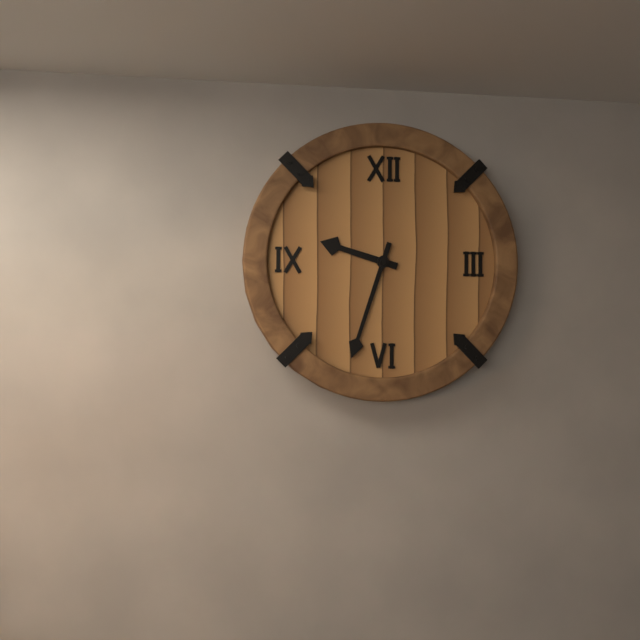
9:33
